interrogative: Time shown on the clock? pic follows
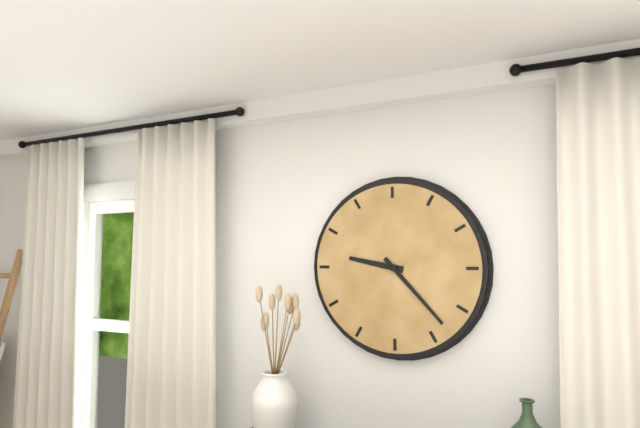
9:23
